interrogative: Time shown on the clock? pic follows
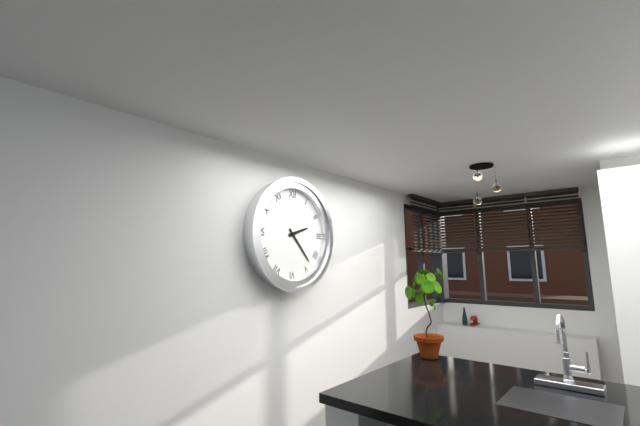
2:23
